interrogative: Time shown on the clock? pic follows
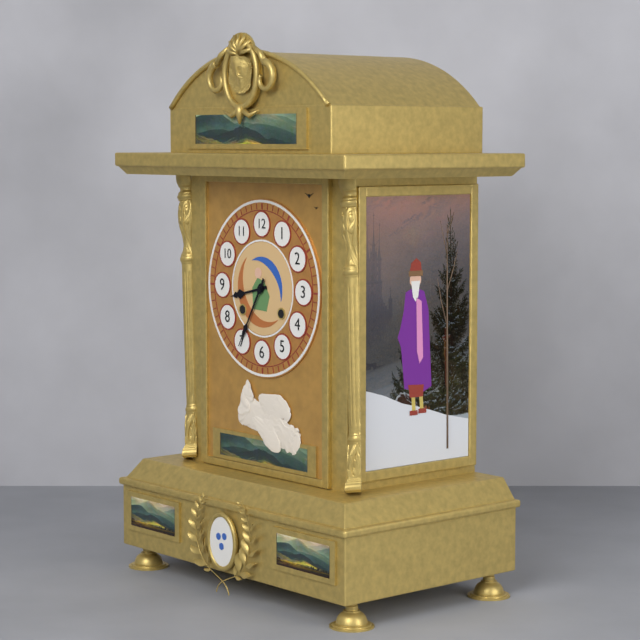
8:35
